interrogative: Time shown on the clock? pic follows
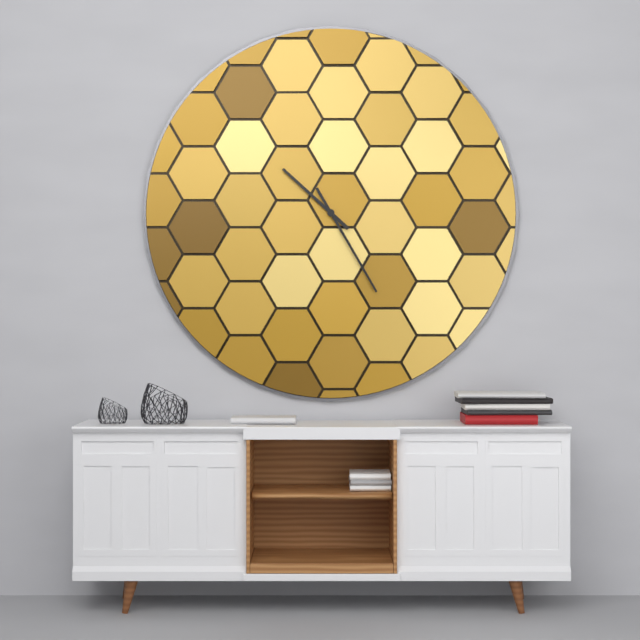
10:25
